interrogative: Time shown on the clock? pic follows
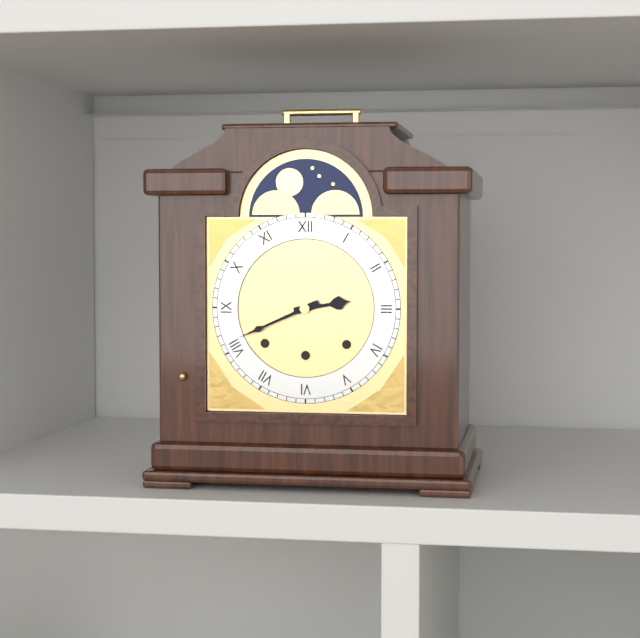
2:41
